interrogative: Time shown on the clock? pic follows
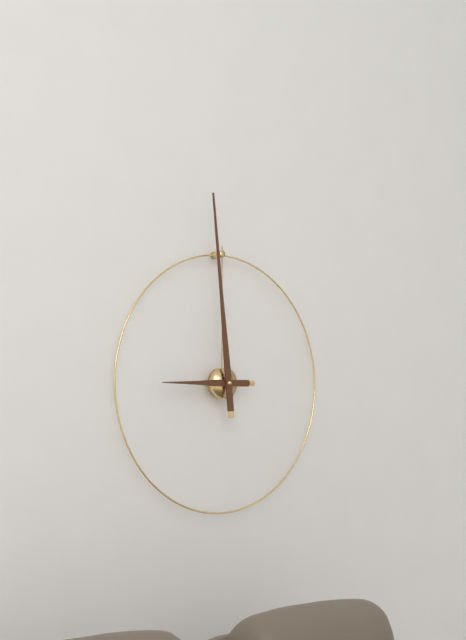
8:59
